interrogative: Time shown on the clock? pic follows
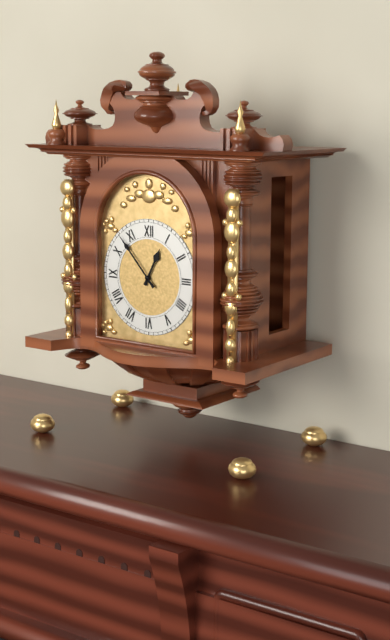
12:53
